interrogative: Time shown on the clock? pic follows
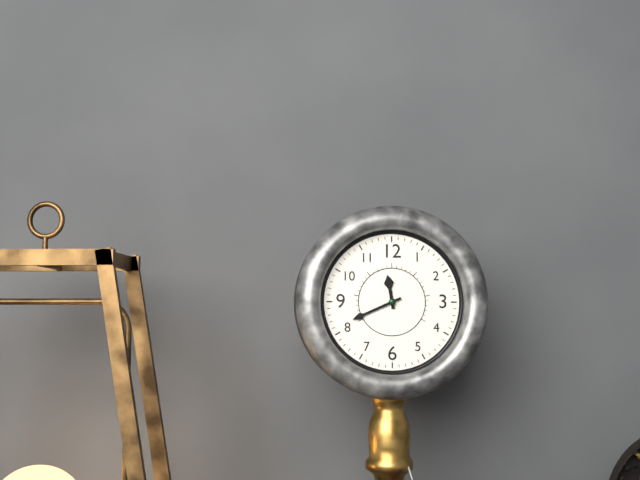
11:41
